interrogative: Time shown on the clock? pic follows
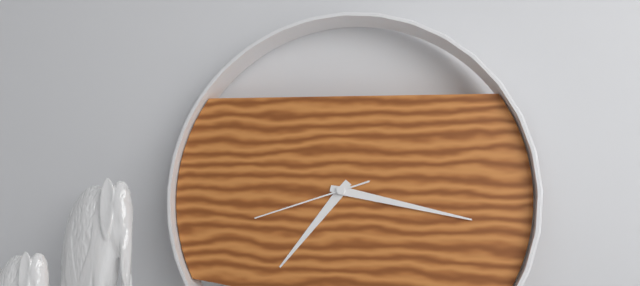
7:17:42
